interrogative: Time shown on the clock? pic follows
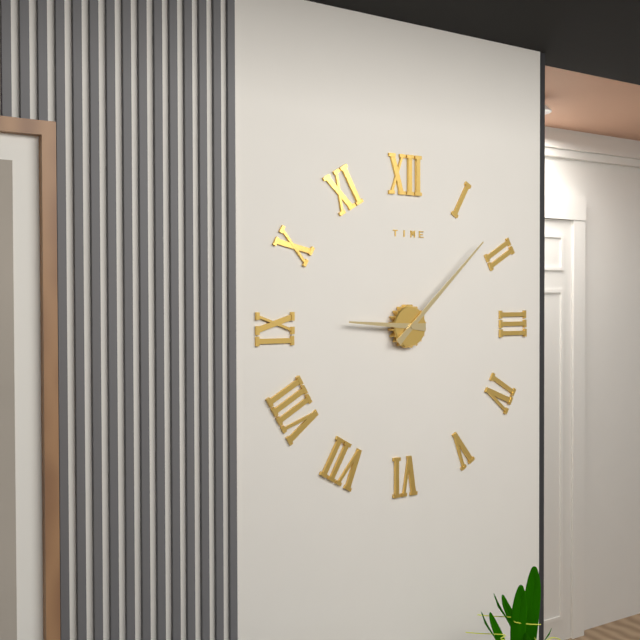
9:08
